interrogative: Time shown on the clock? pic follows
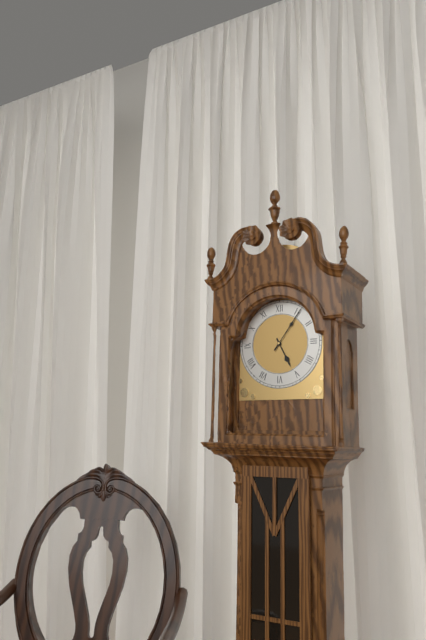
5:06
